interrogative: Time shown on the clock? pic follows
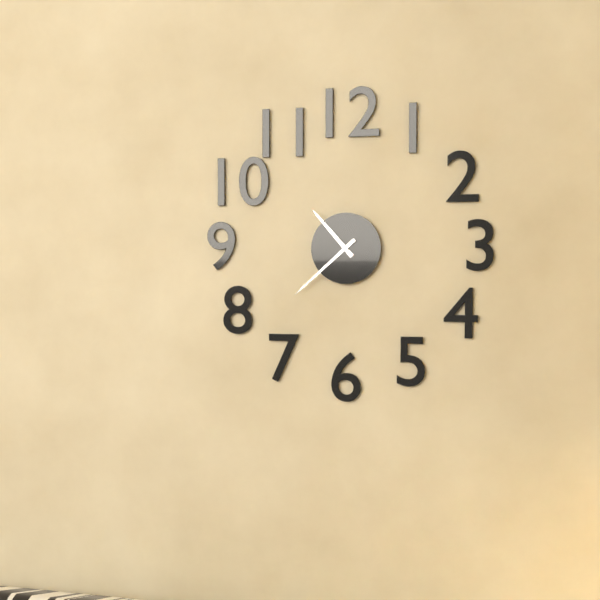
10:38
